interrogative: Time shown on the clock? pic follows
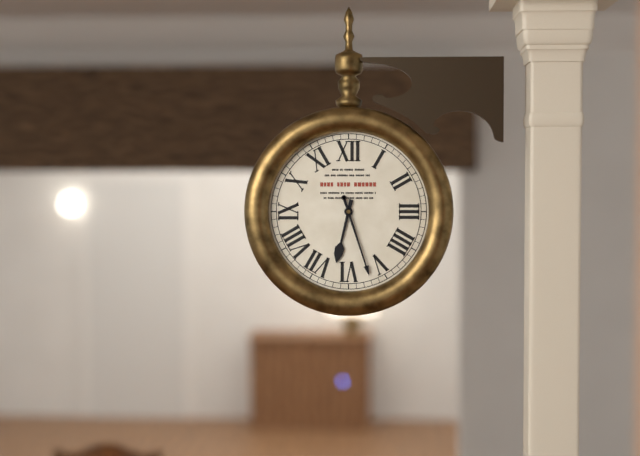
6:27
